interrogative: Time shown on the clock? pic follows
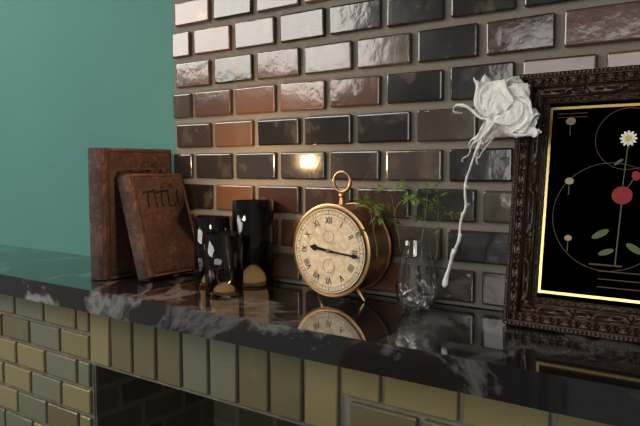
9:16
